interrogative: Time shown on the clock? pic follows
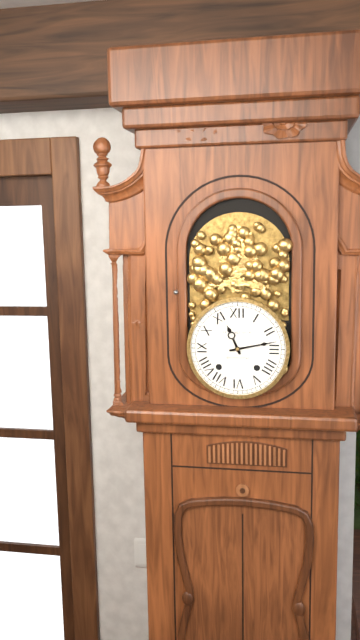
11:13
